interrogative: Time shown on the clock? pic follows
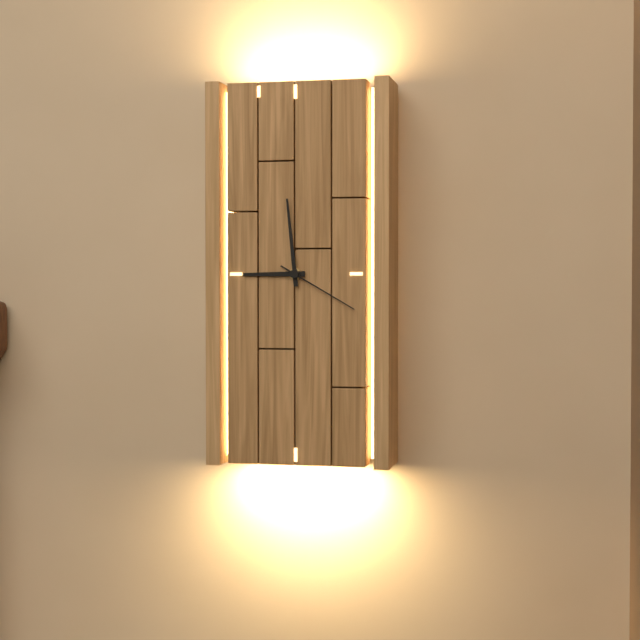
8:59:20
